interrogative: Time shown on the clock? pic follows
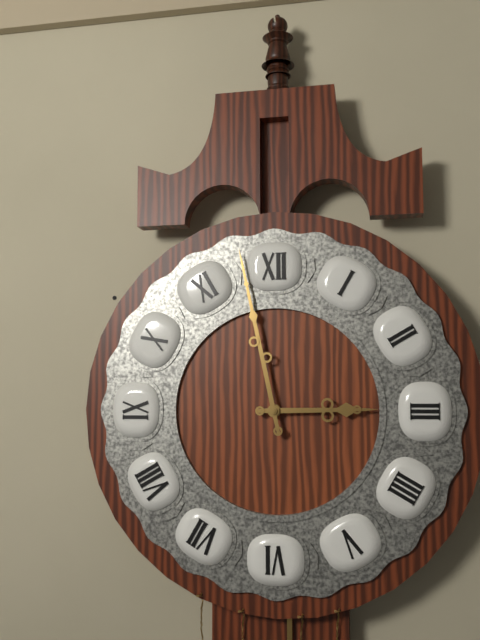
2:58
